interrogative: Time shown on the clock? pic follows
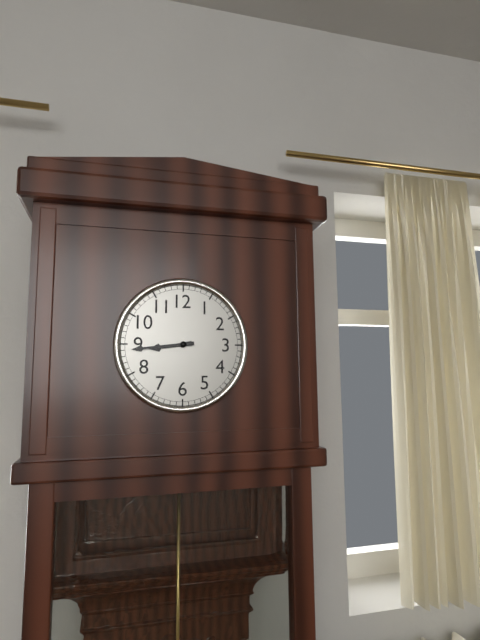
8:44
